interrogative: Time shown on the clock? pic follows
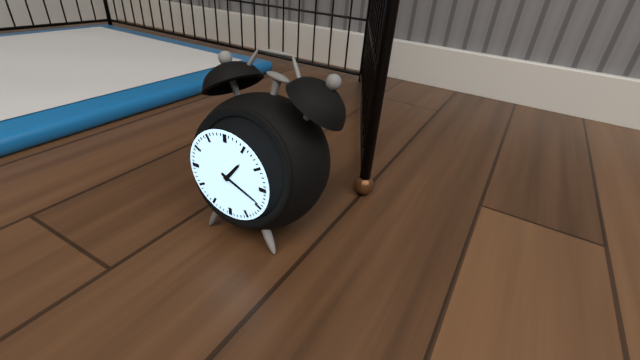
1:19
